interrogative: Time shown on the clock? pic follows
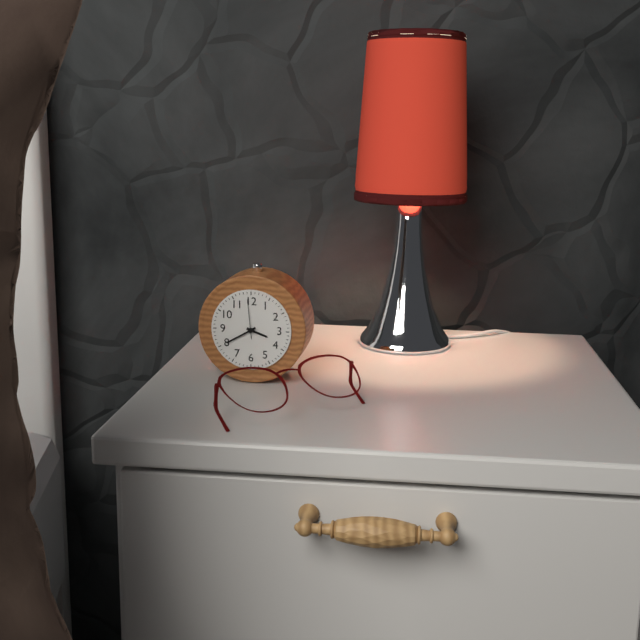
3:40
